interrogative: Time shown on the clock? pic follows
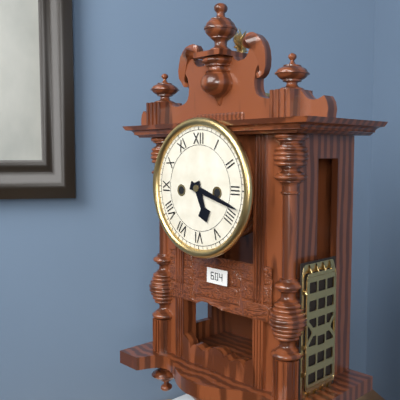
5:18
